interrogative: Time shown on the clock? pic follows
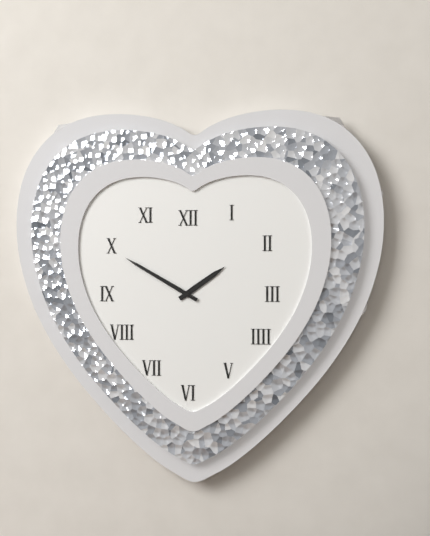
1:50
